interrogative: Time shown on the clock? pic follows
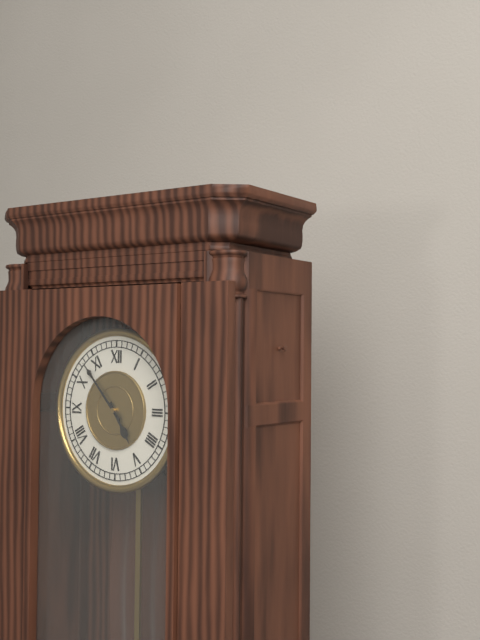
4:53
